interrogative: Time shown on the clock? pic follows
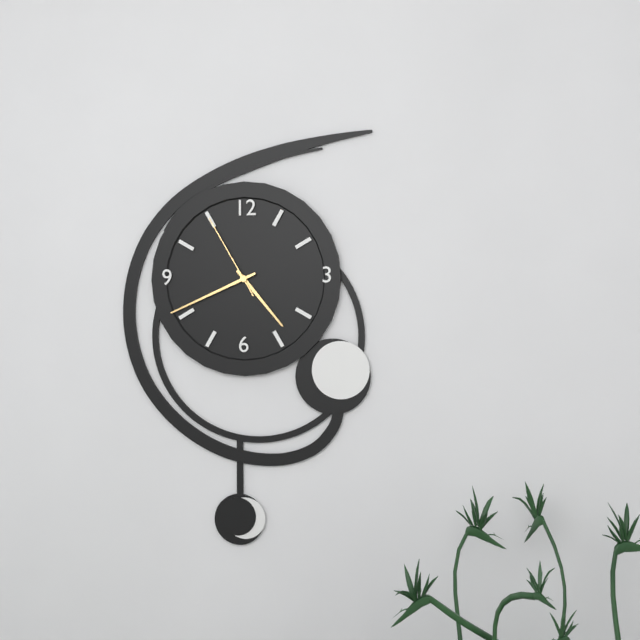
4:41:55
